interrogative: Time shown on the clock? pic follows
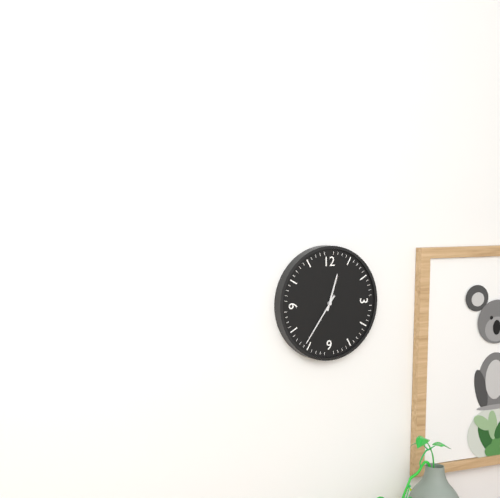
12:36
